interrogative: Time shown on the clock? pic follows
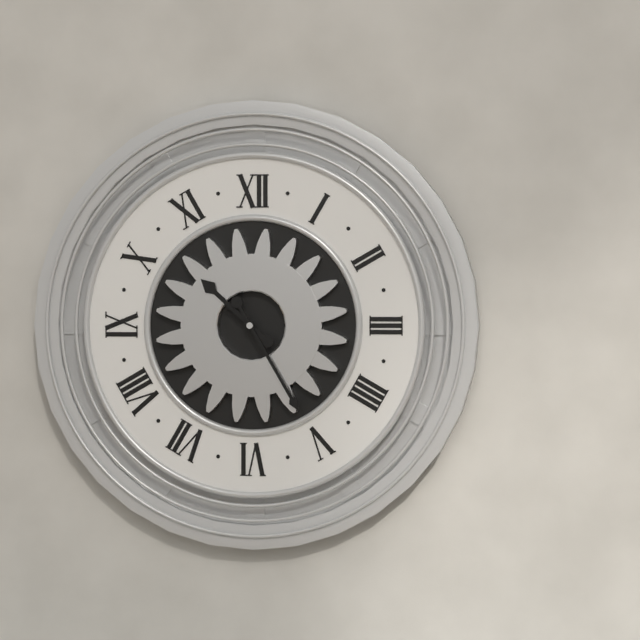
10:25
